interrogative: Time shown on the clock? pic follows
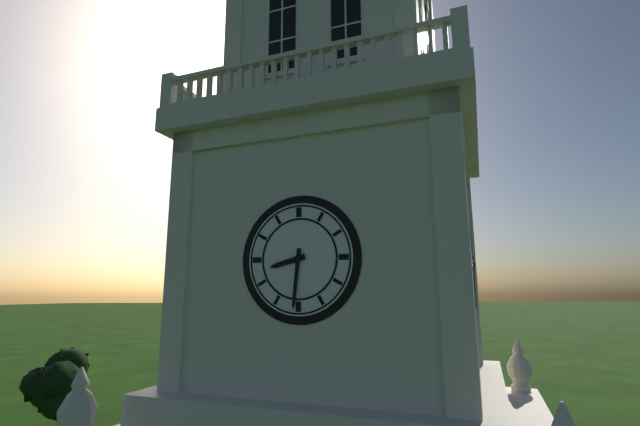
8:31
